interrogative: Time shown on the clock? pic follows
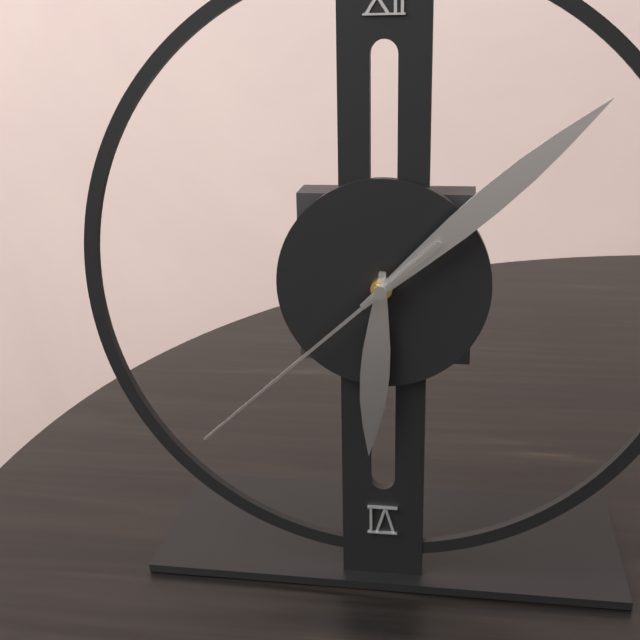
6:08:38
